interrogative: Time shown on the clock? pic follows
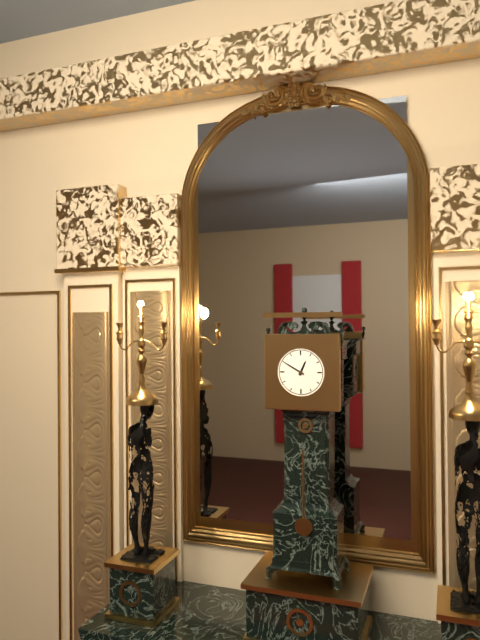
12:50
